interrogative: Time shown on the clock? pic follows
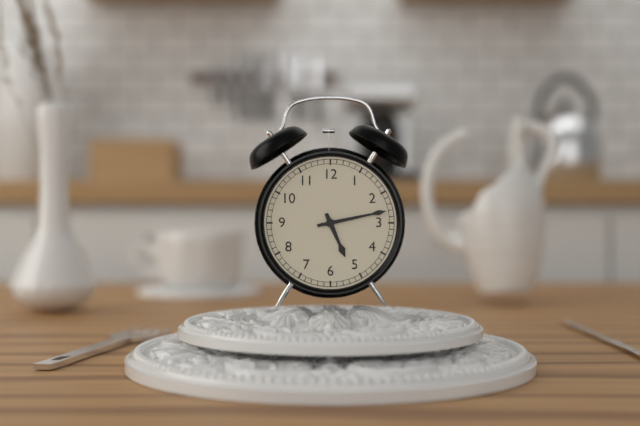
5:13
